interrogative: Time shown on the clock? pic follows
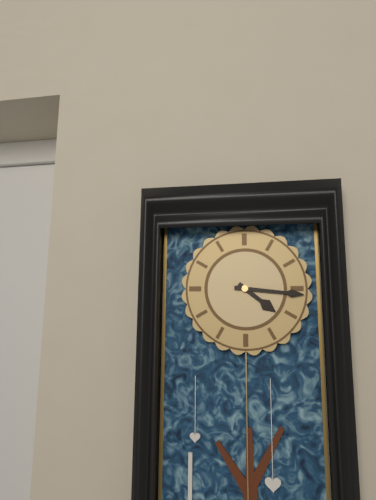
4:16
